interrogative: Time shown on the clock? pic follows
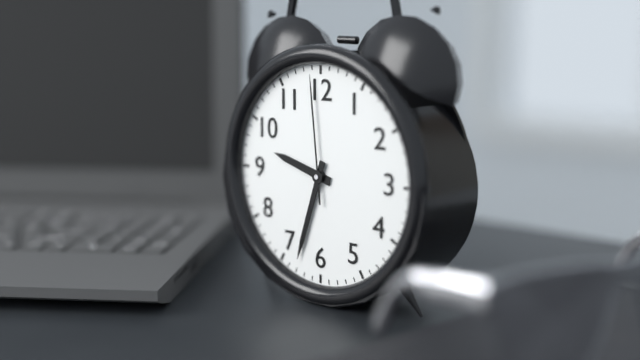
9:33:59
